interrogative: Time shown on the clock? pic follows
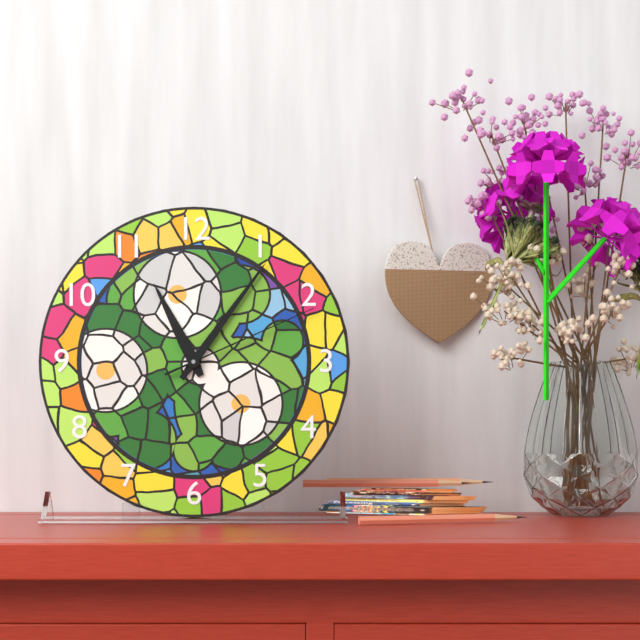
11:06:11
